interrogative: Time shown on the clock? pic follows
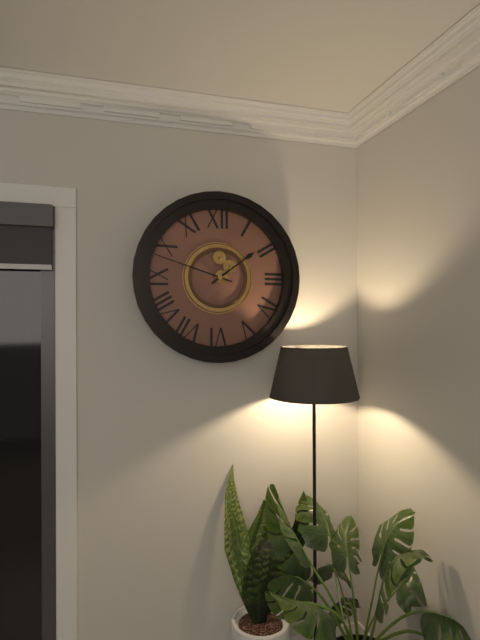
1:48
